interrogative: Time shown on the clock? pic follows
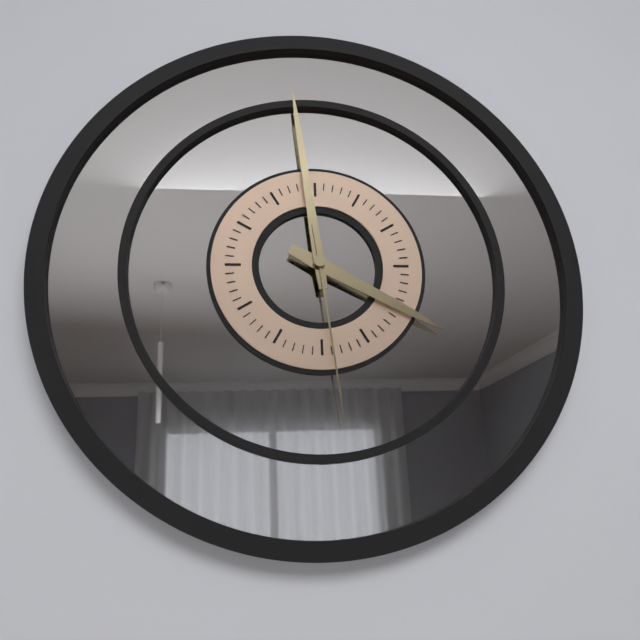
3:59:29
